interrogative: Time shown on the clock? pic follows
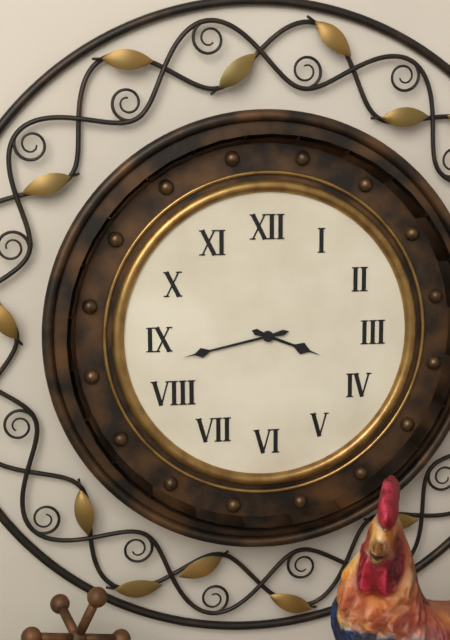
3:43
